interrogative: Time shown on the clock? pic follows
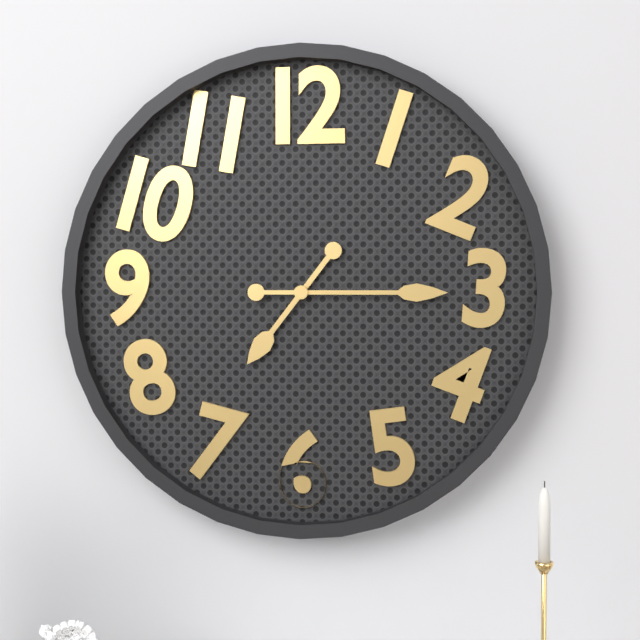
7:15
